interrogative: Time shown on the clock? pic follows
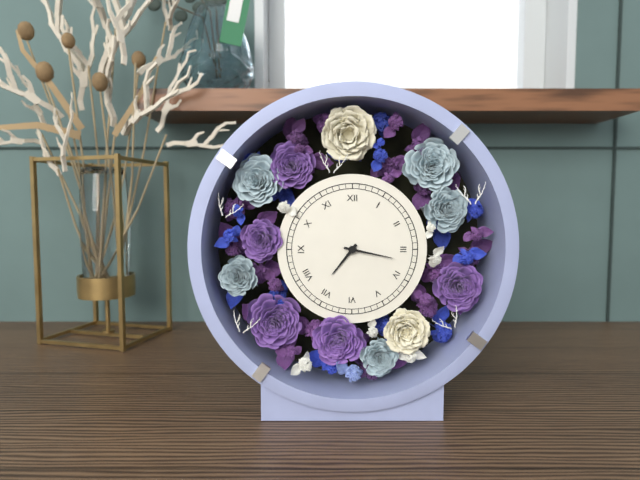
7:17
